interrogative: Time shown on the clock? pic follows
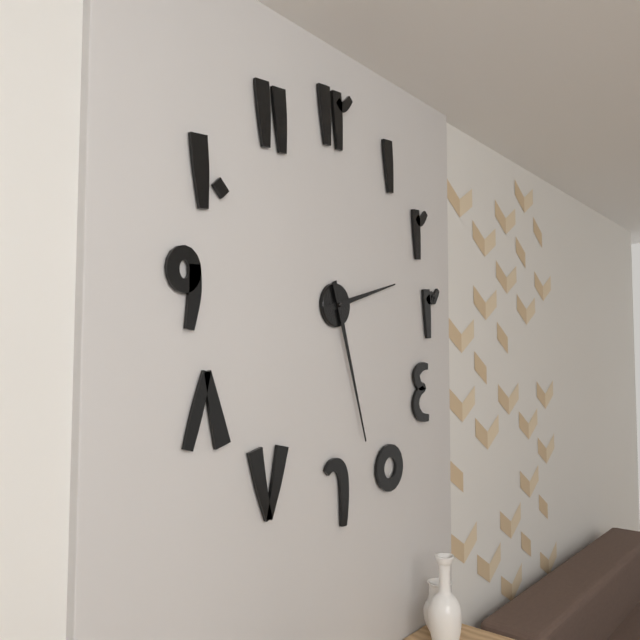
2:27
